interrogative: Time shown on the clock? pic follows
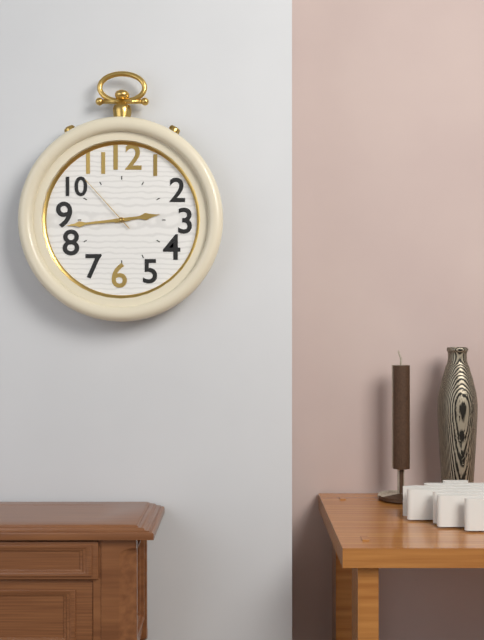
2:44:53
